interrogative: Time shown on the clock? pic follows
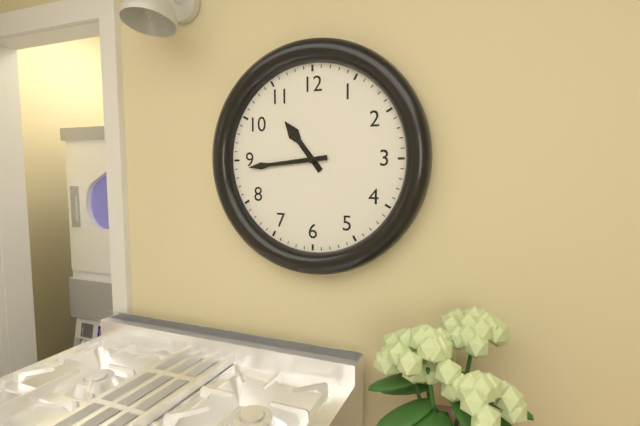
10:44
